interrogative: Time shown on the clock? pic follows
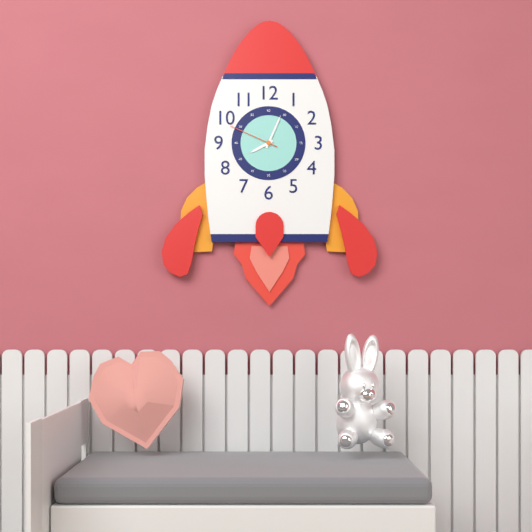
8:04:49
